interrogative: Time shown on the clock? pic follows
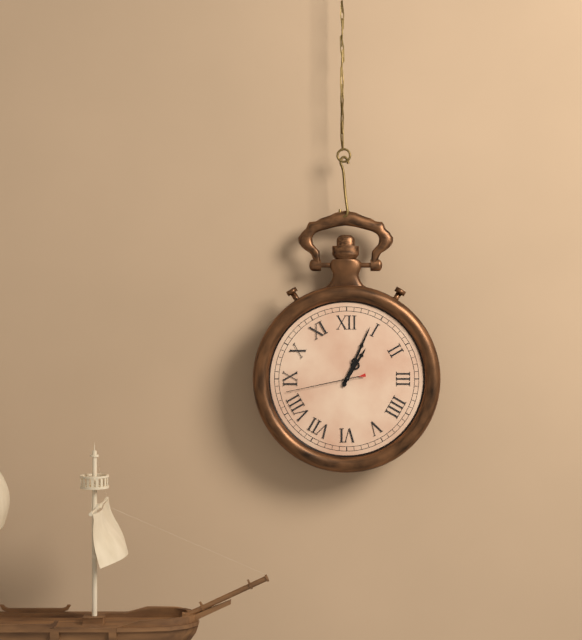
1:04:43
